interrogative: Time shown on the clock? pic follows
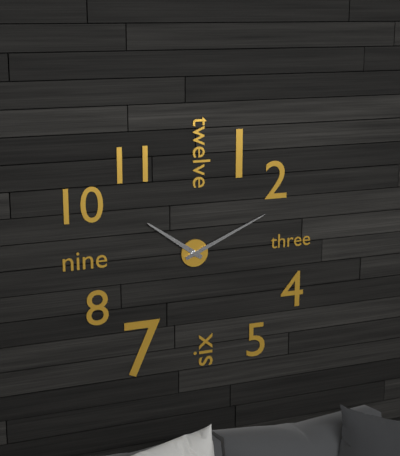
10:11
